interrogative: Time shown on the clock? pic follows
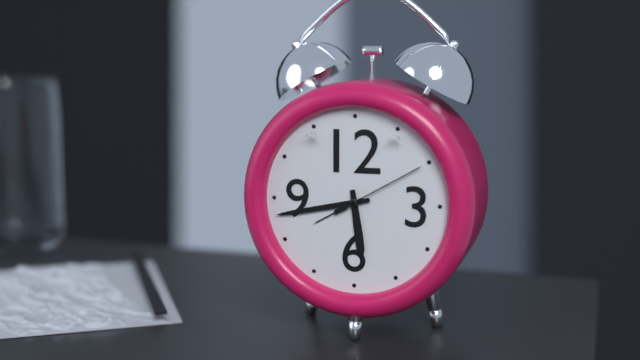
5:43:10
